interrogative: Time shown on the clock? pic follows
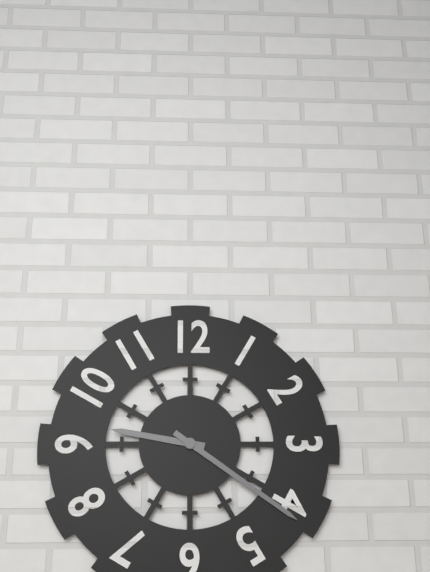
9:21
